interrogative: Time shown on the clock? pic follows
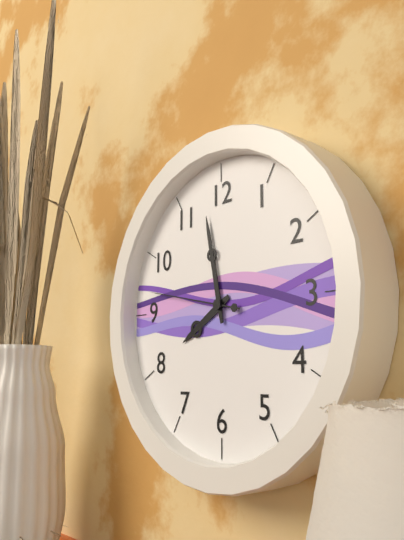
7:58:47
